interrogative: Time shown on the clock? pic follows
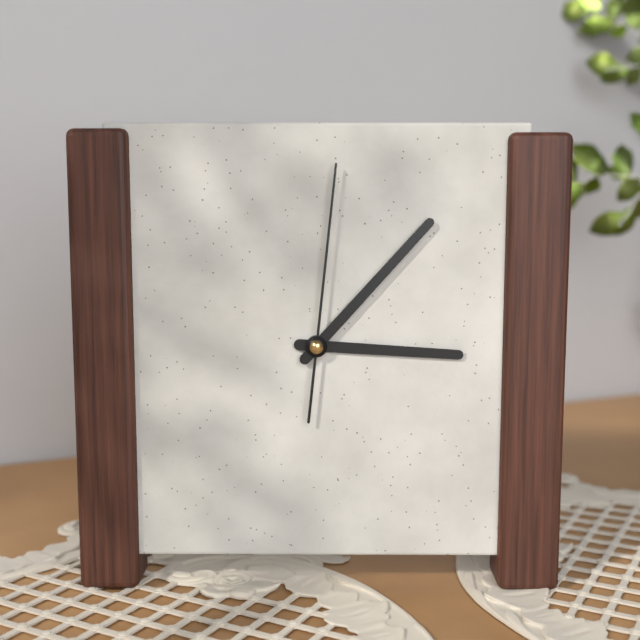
3:07:01
